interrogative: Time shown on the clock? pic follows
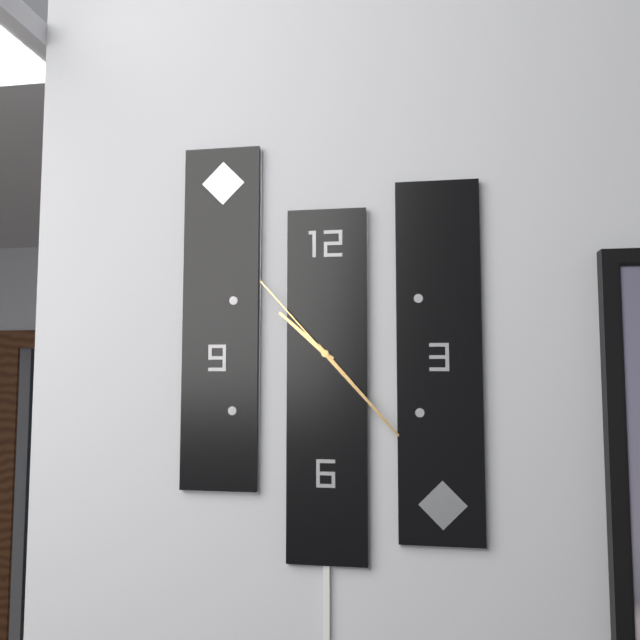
10:23:53
